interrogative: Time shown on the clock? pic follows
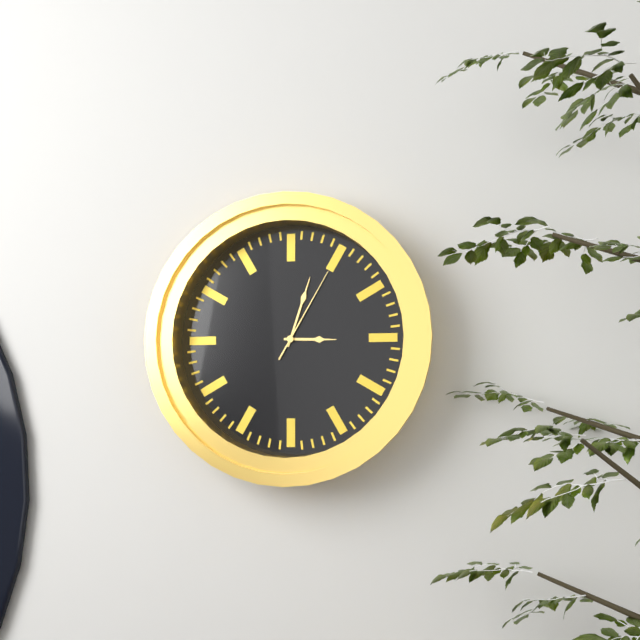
3:03:05
